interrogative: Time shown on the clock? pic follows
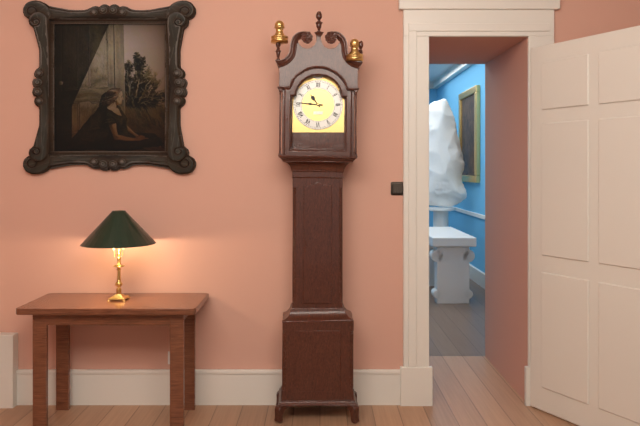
10:46
